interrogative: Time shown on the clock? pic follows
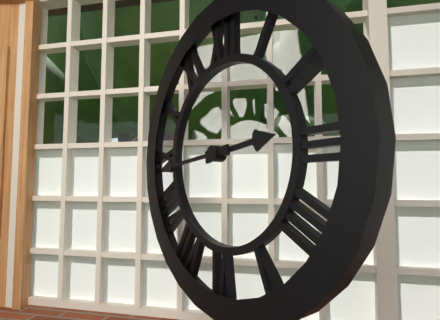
2:44
